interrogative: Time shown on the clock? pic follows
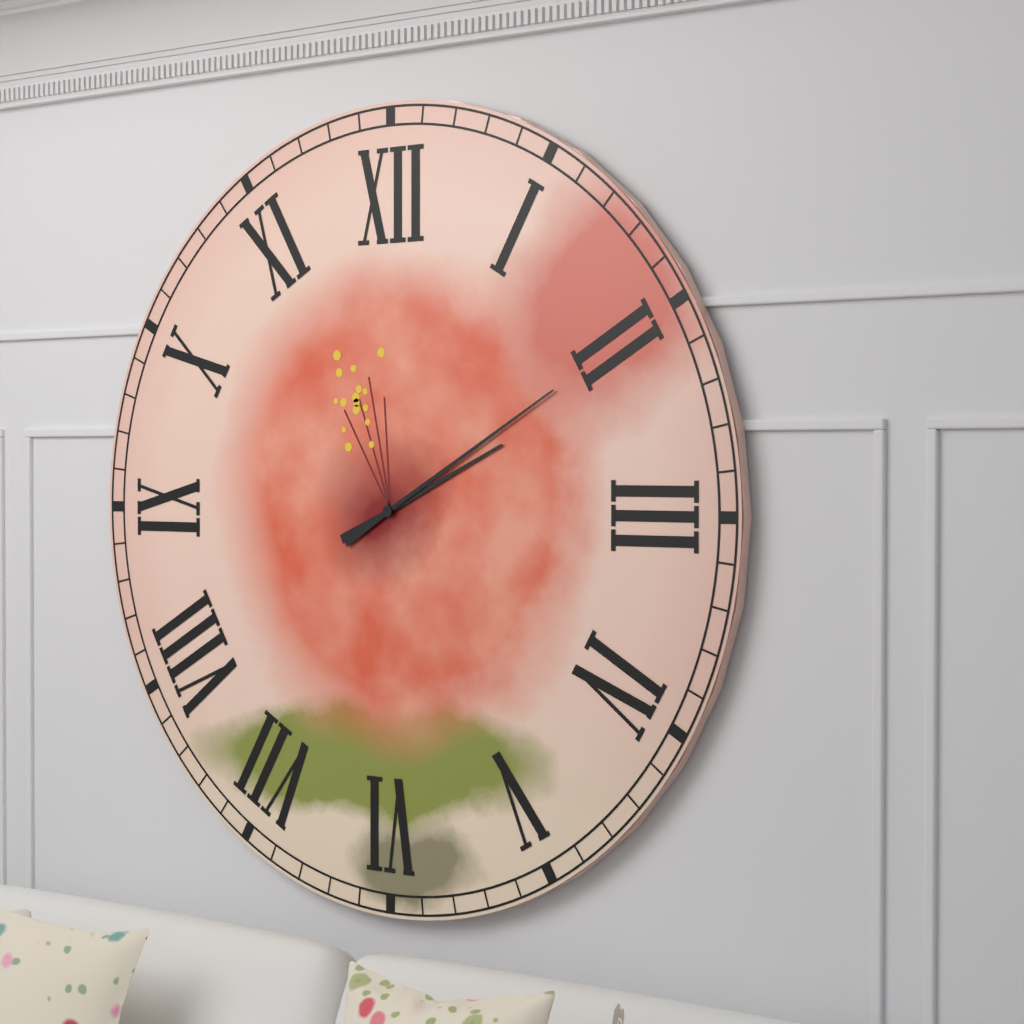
2:10
